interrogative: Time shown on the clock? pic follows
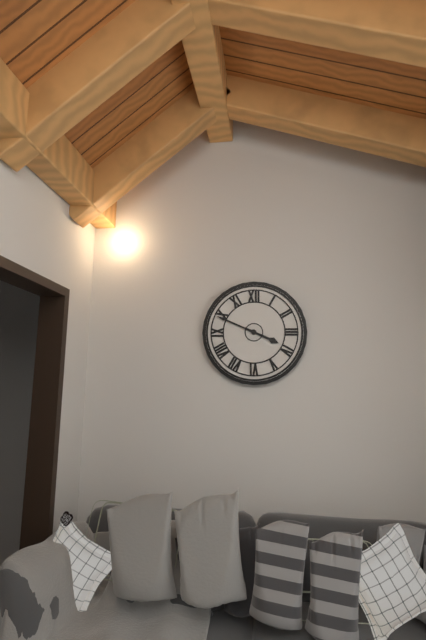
3:49
